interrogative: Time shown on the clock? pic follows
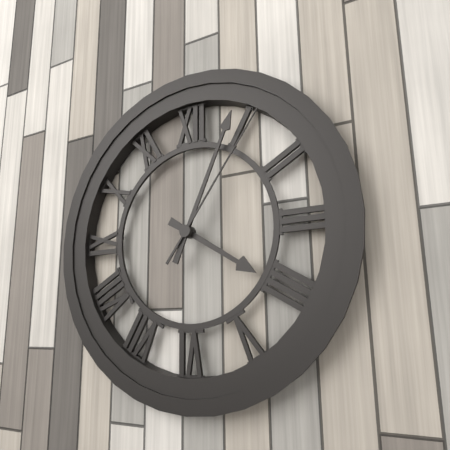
4:04:06
